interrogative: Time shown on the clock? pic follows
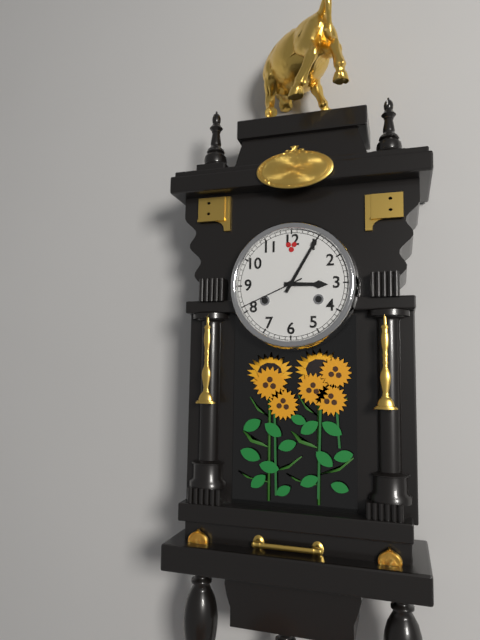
3:05:41
